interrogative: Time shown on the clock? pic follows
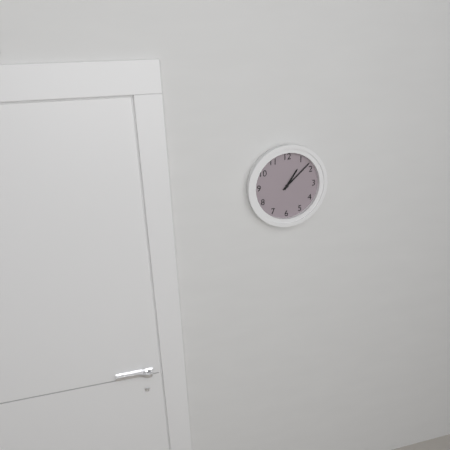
1:08
